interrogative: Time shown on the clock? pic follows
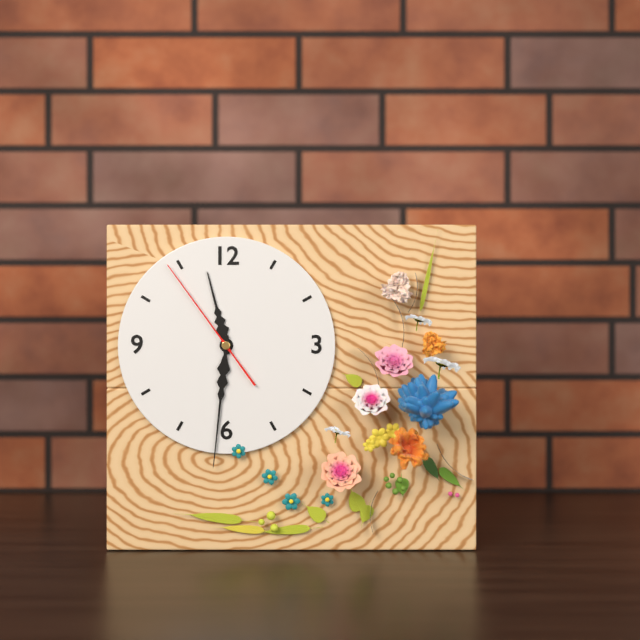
11:31:54
